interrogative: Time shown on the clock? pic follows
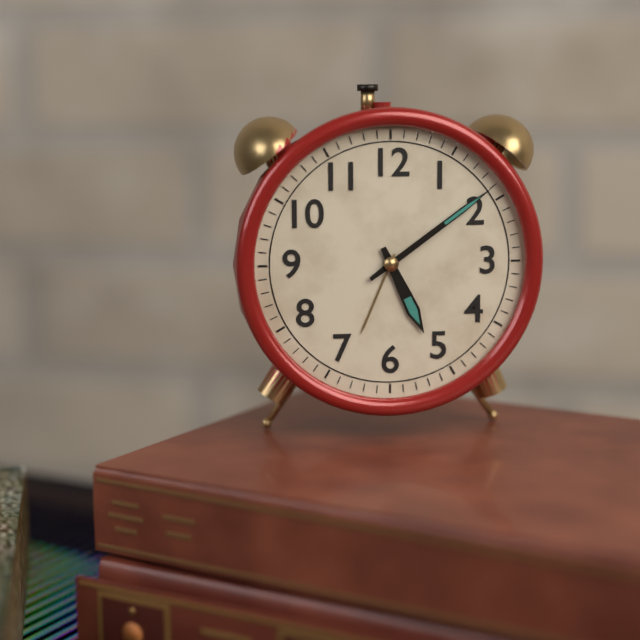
5:09
